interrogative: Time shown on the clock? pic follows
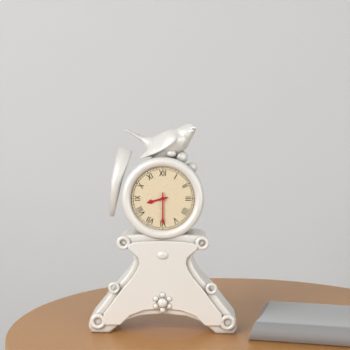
8:30
